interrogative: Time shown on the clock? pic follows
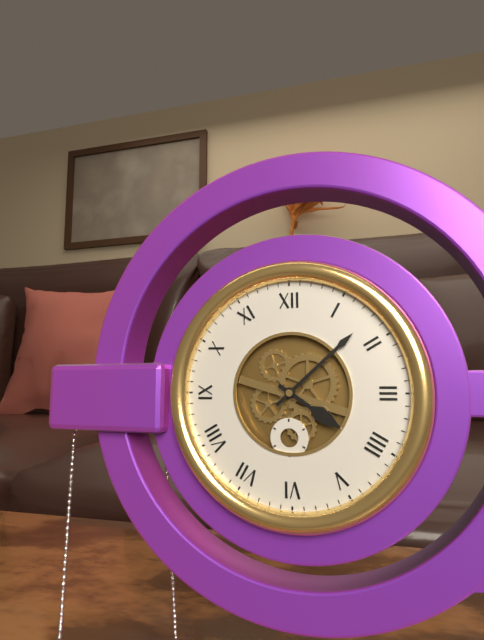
4:08
